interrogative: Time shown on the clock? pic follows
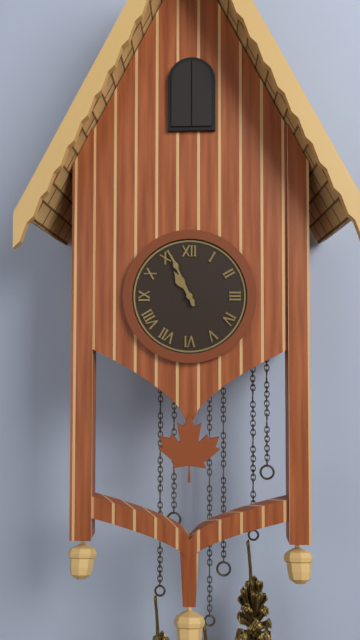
10:56
